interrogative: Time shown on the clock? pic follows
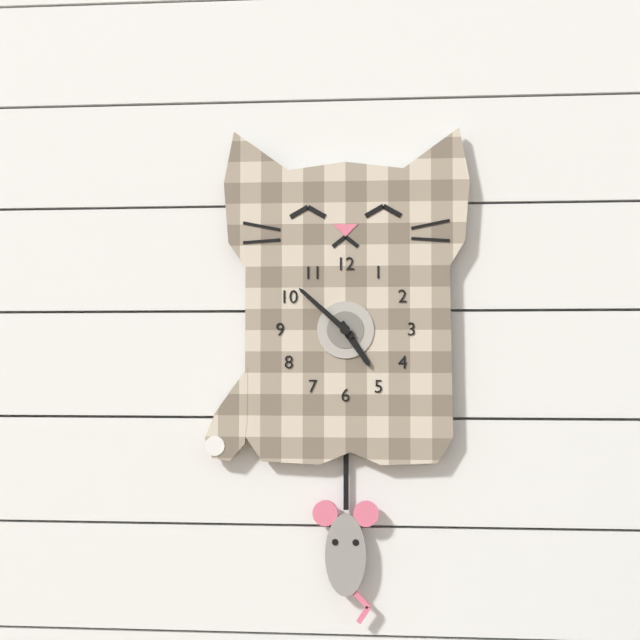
4:52
